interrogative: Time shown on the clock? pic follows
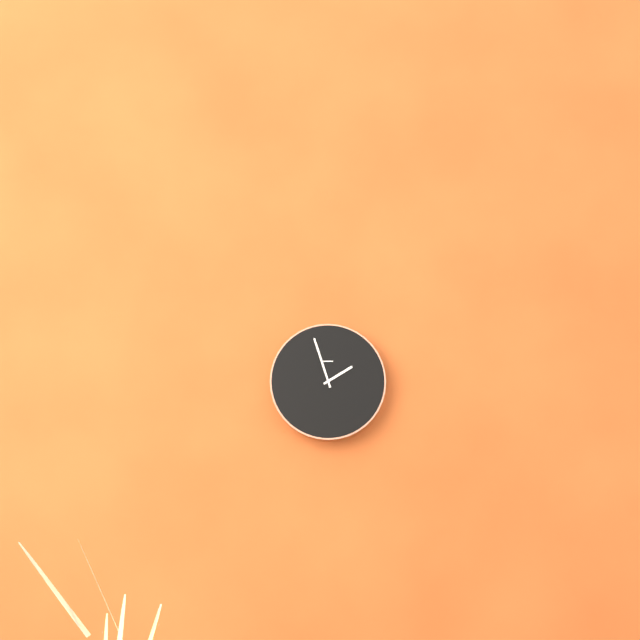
1:57
